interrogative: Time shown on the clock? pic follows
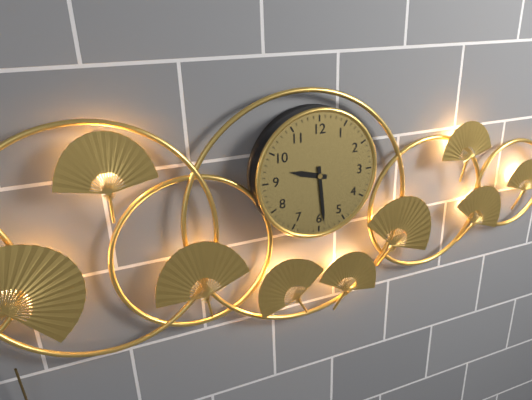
9:29
